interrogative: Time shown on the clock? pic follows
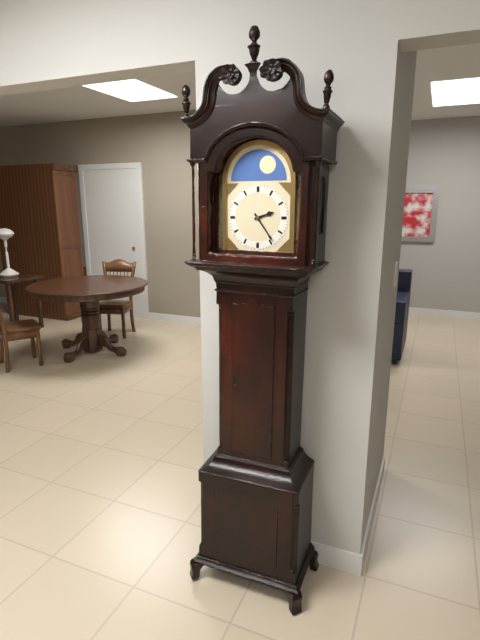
2:24
